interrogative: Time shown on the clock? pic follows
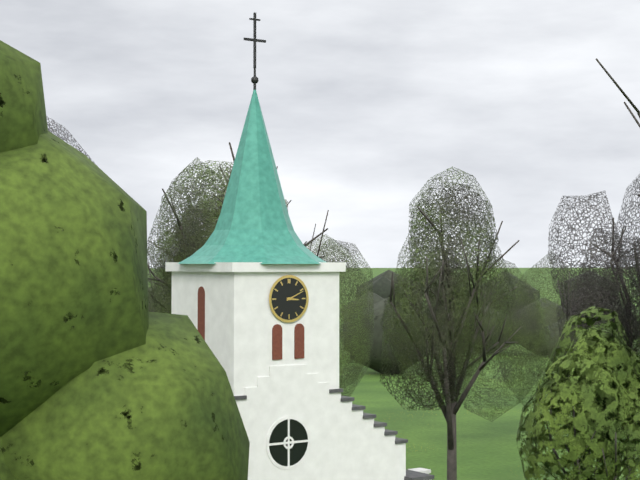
3:11
